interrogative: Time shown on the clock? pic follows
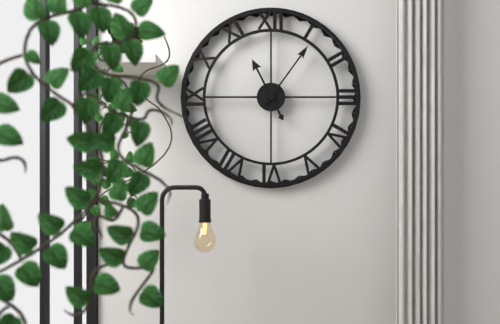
11:06
